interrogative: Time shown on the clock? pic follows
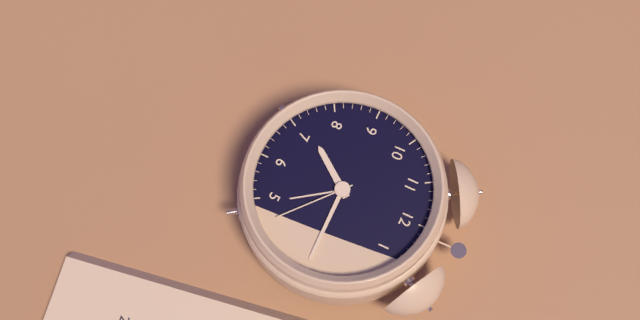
7:15:22
